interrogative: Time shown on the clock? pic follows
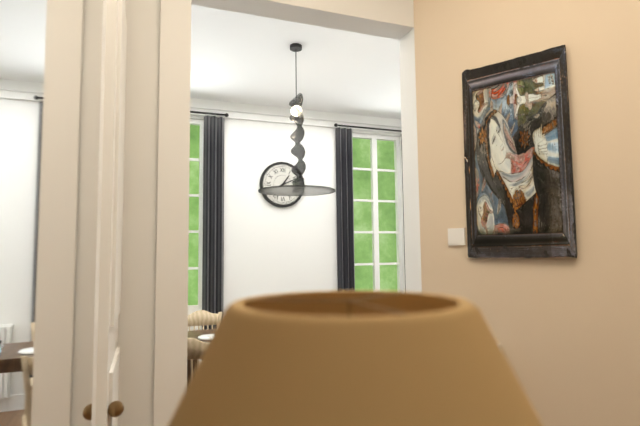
1:11
